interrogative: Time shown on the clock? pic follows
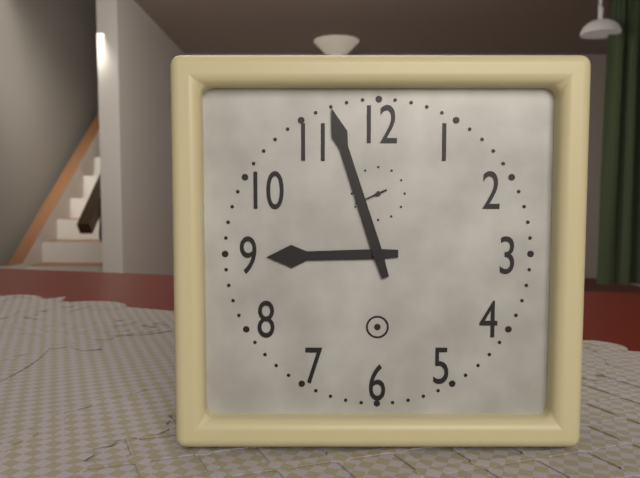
8:57
